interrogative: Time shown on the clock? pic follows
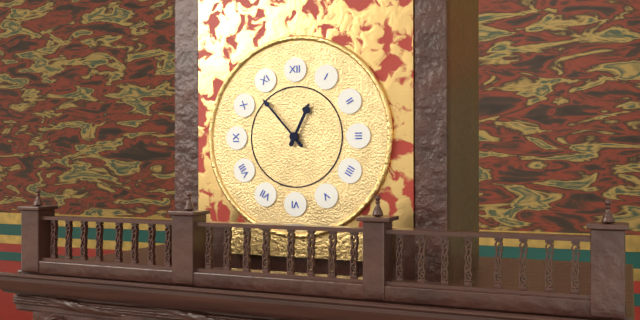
12:53
